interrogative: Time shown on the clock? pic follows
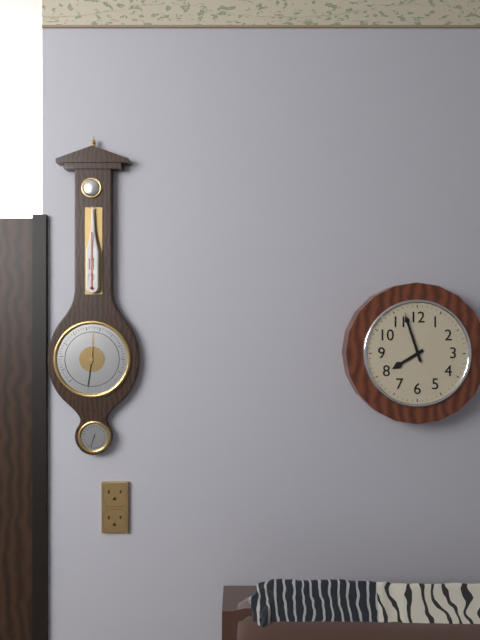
7:57:57
